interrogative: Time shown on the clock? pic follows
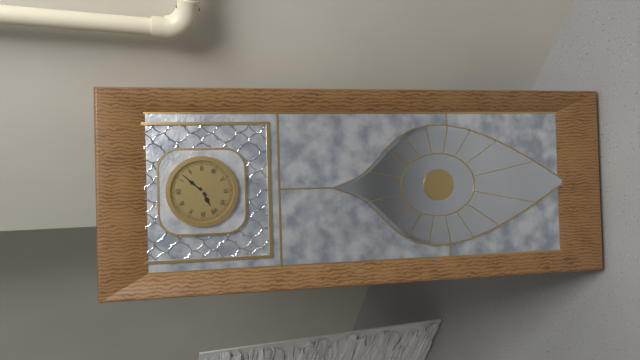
8:07
